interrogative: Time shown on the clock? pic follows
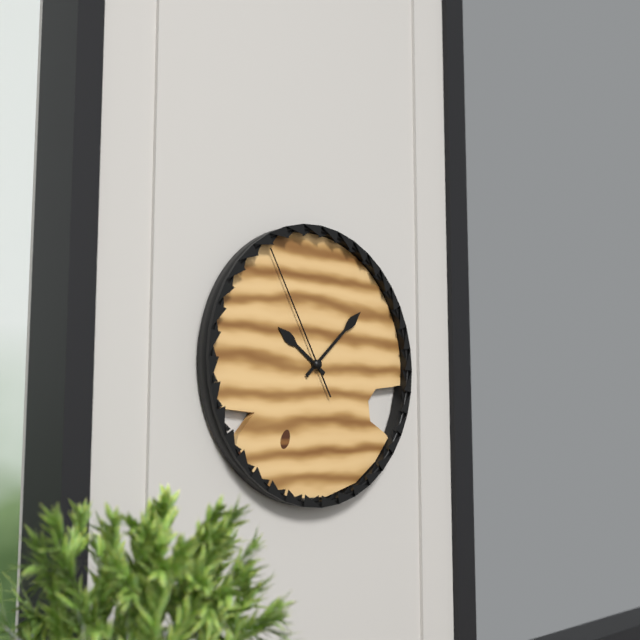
10:08:55
